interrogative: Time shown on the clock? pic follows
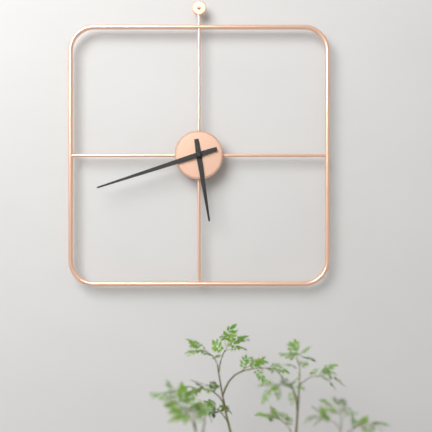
5:42
